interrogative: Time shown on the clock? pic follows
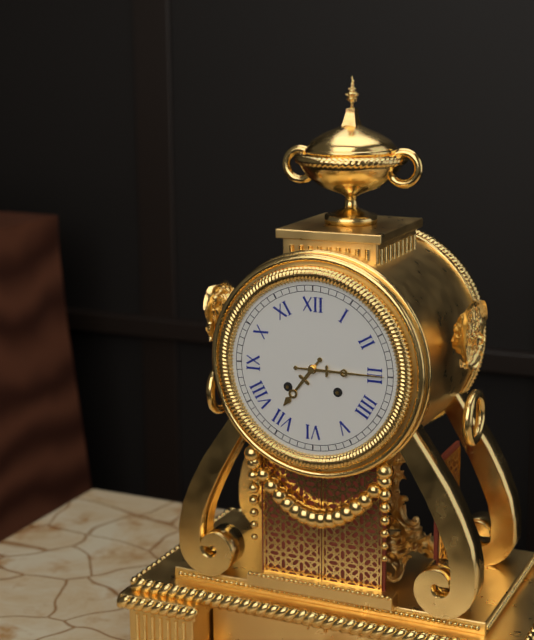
7:15
